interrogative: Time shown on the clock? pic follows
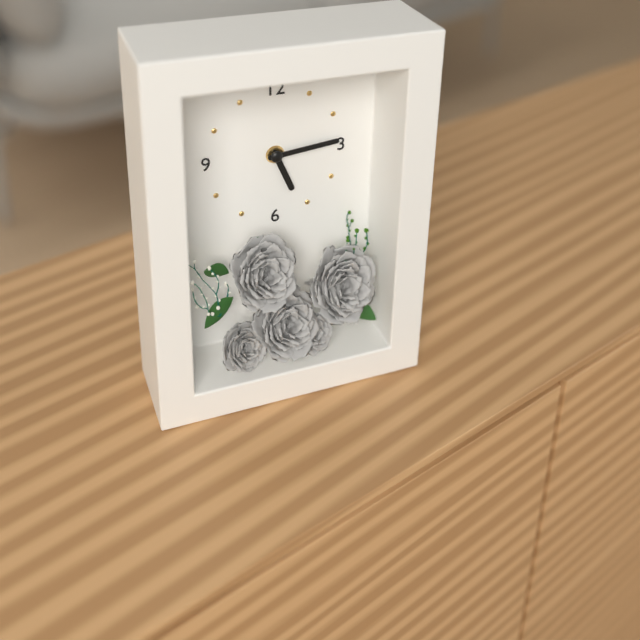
5:14
